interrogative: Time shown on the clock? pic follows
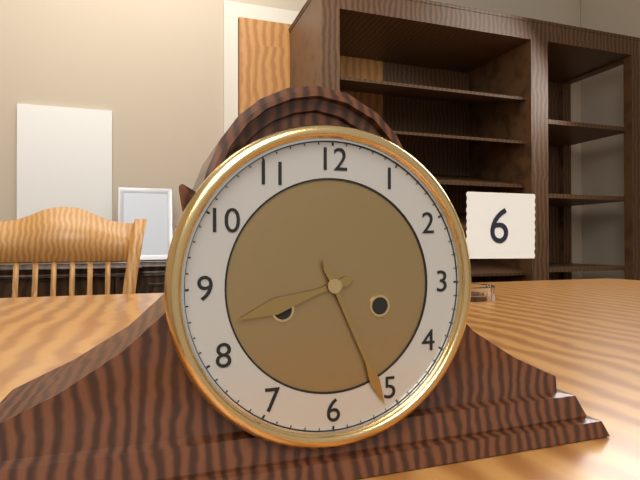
8:26
